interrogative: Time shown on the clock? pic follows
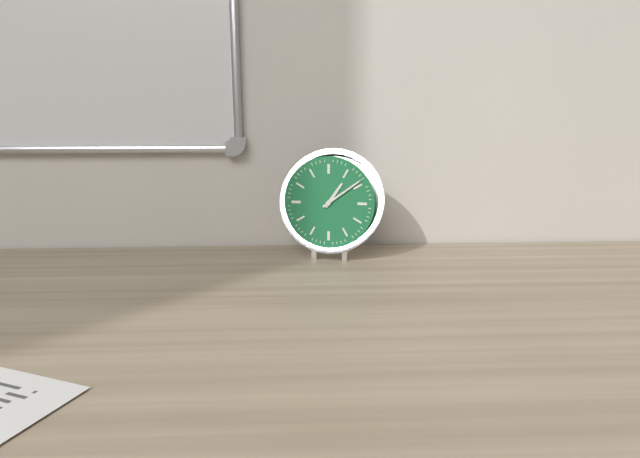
1:09
